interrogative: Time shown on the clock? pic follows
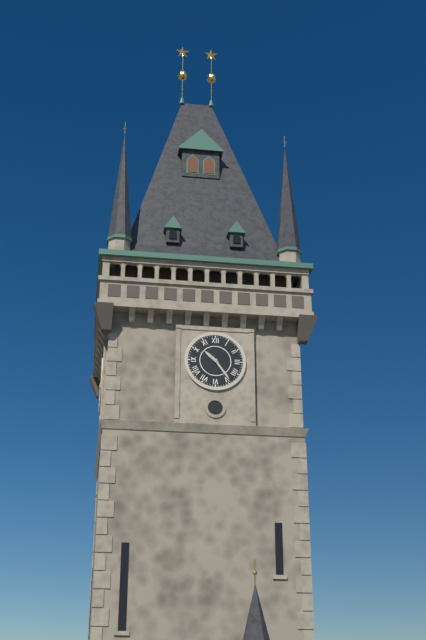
10:24
